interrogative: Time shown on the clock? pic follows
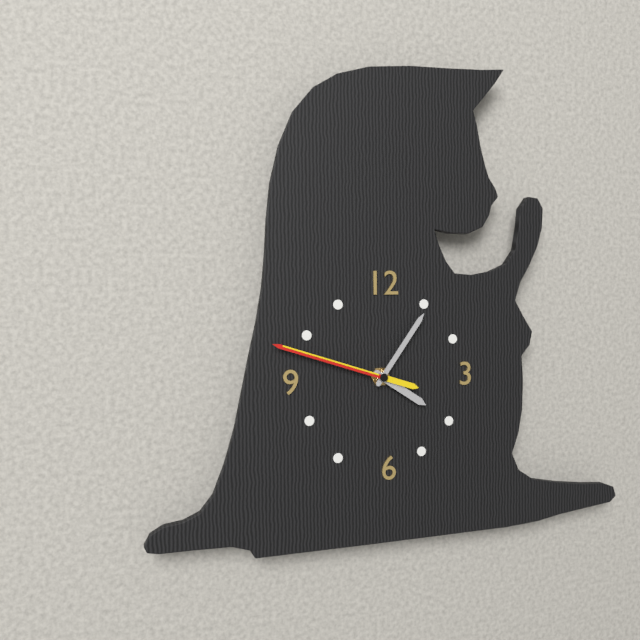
4:06:48
